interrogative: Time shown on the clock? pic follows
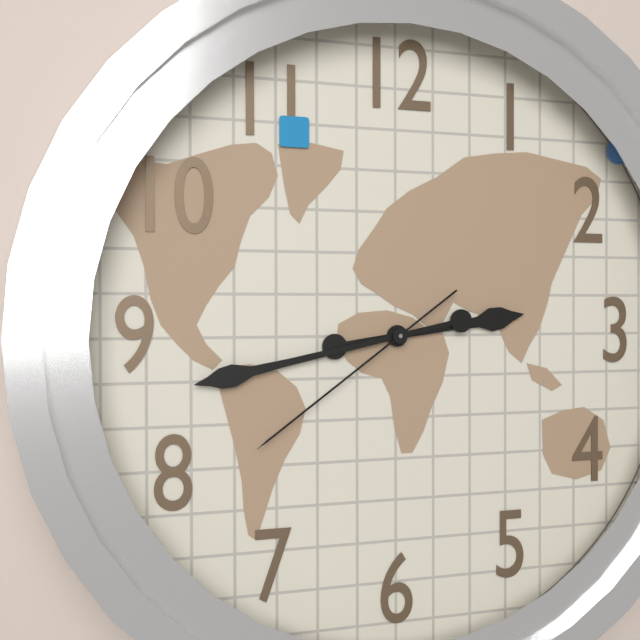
2:43:39
